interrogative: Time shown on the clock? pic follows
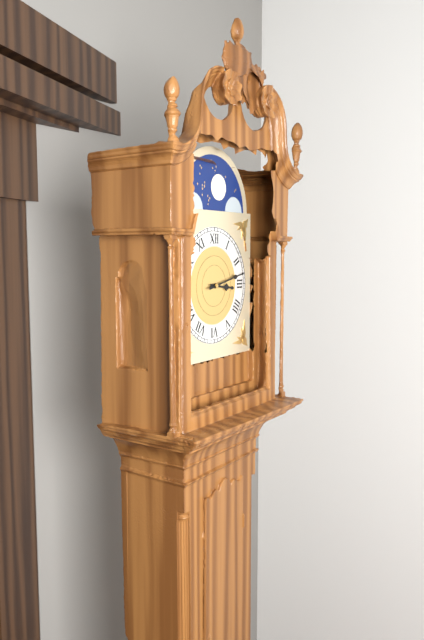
3:13
